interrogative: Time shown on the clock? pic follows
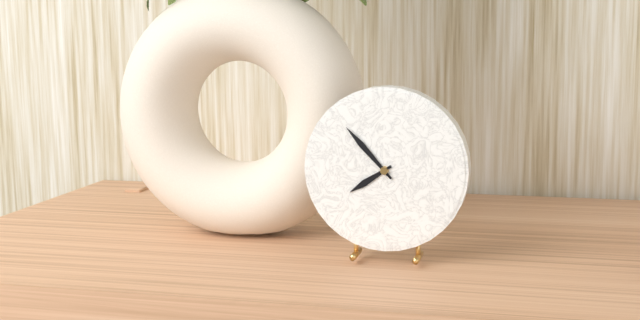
7:53
